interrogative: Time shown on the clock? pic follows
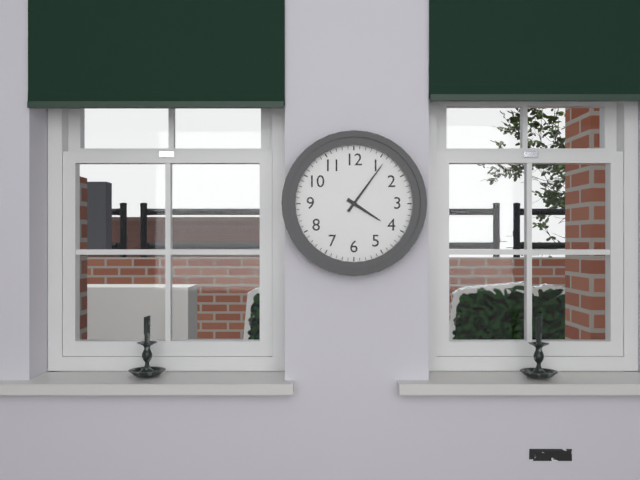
4:06
